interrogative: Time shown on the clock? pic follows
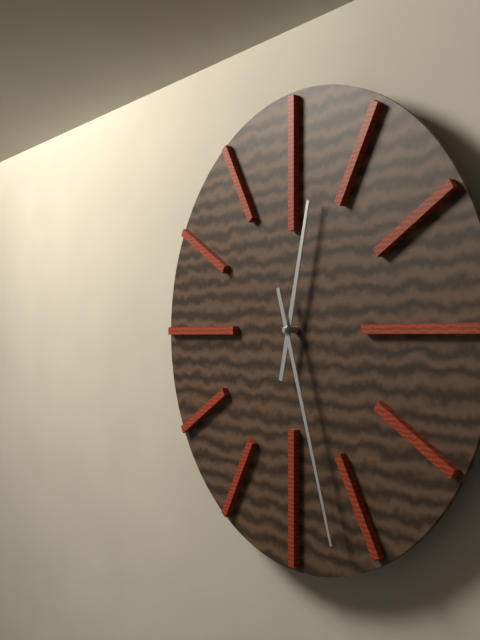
12:27
